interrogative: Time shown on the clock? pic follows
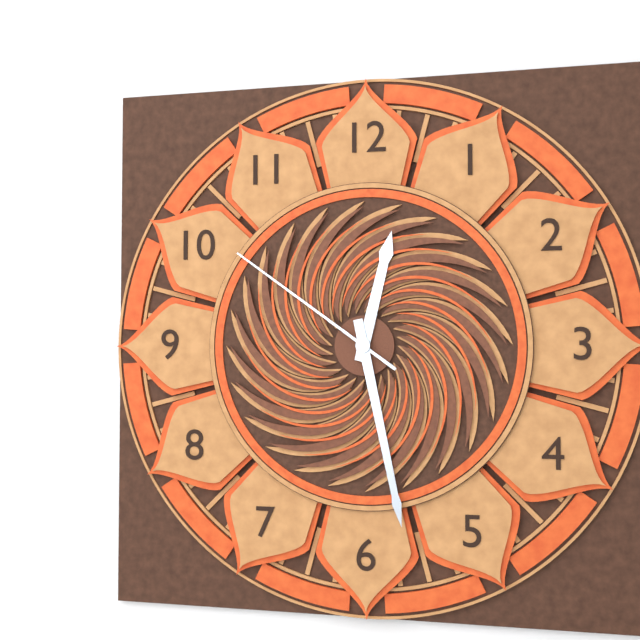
12:28:51
